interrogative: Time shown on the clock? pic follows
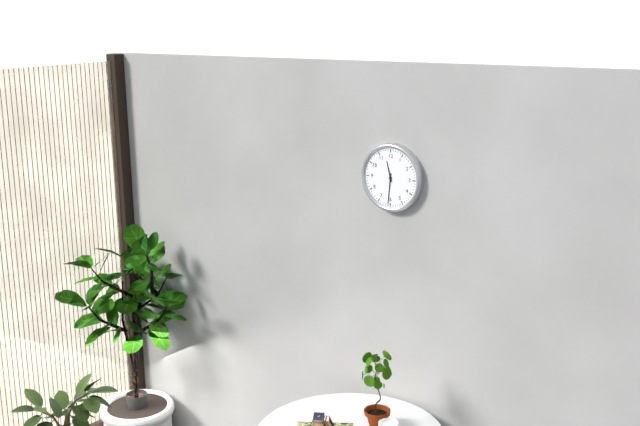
11:31
